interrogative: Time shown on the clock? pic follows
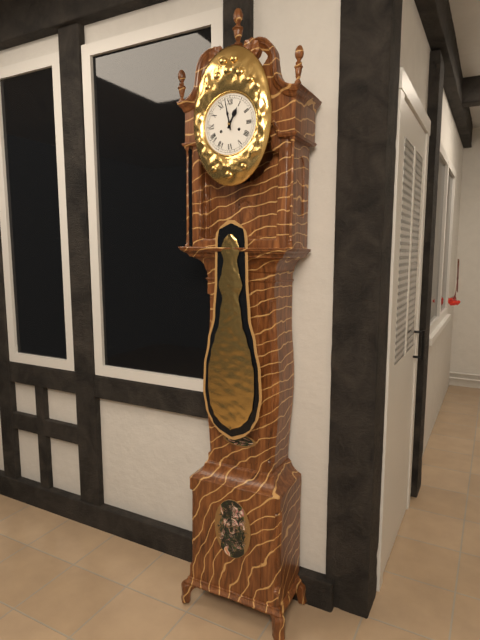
12:58
